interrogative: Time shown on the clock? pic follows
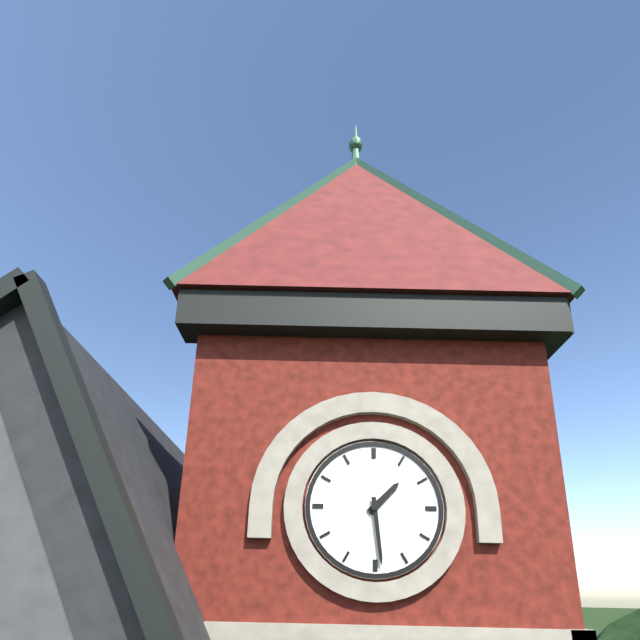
1:29
